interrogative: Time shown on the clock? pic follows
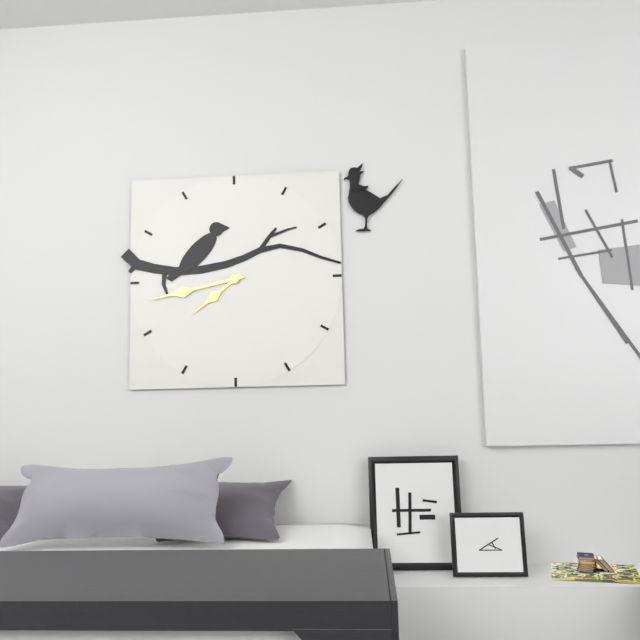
7:43
